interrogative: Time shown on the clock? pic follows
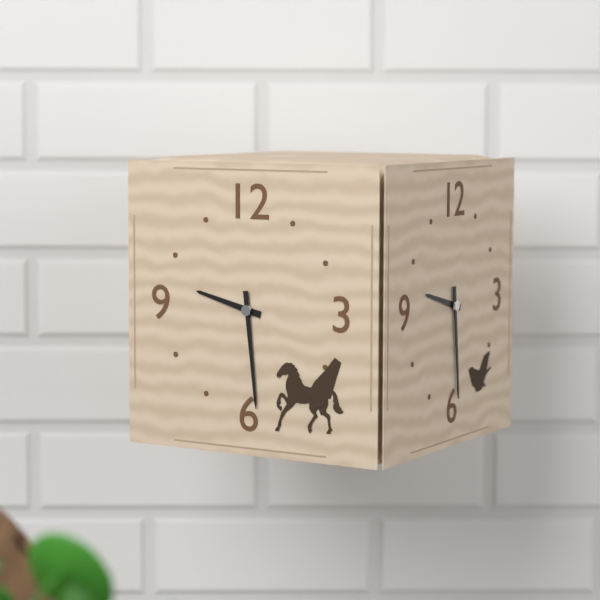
9:29
